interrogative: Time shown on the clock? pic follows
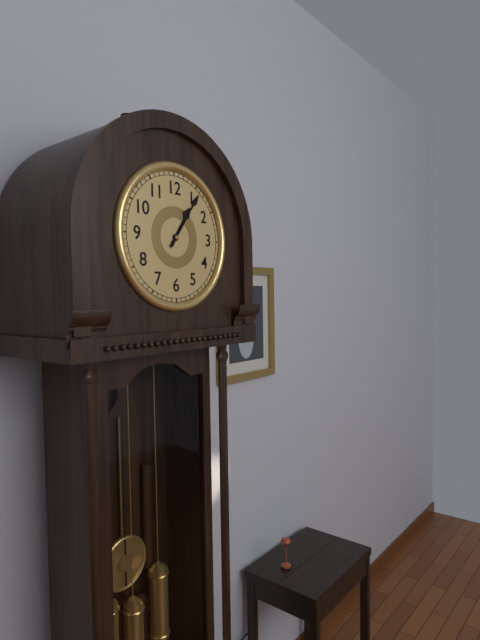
1:06
